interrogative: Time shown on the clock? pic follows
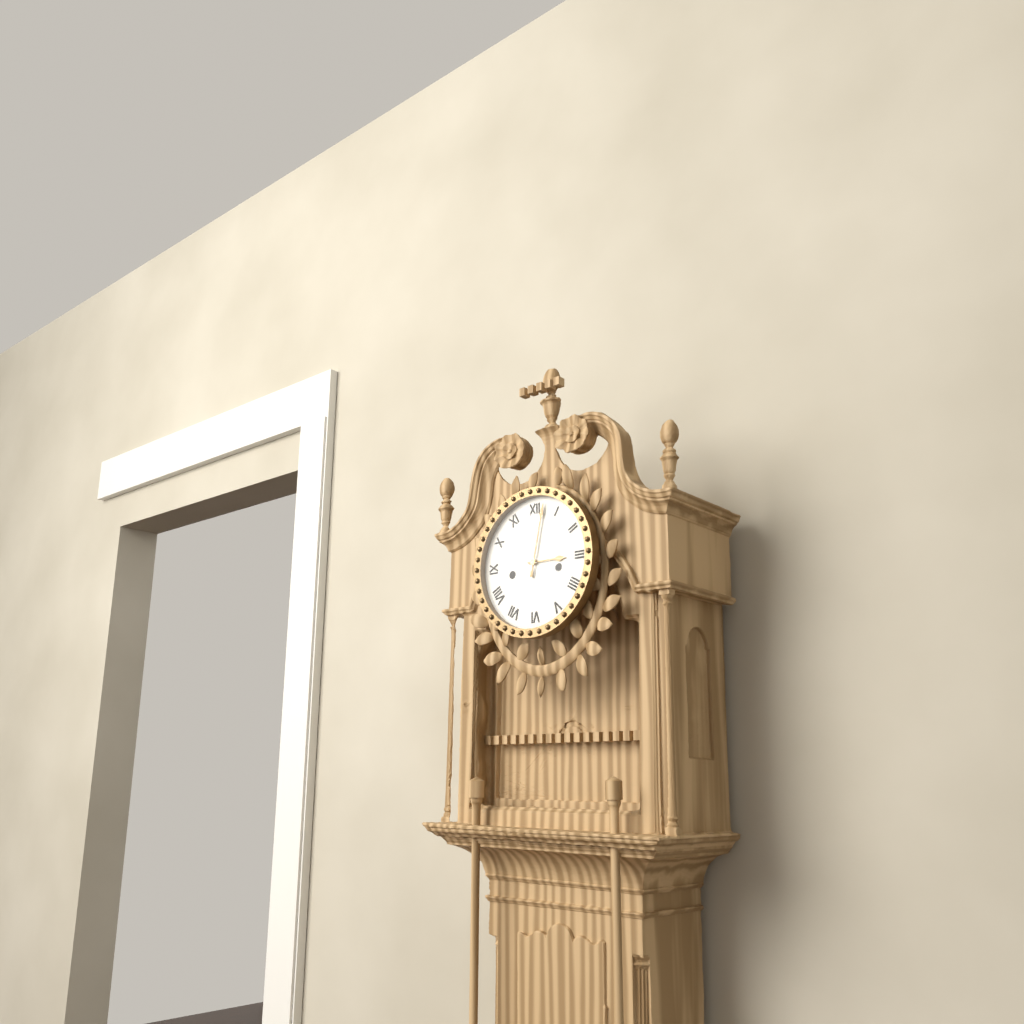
3:02
